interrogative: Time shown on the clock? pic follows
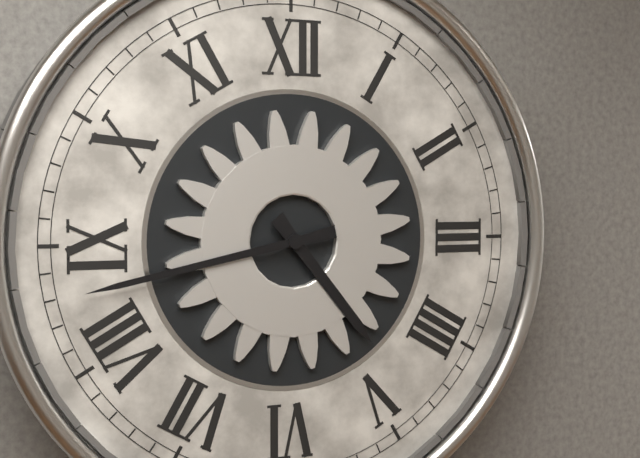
4:43
